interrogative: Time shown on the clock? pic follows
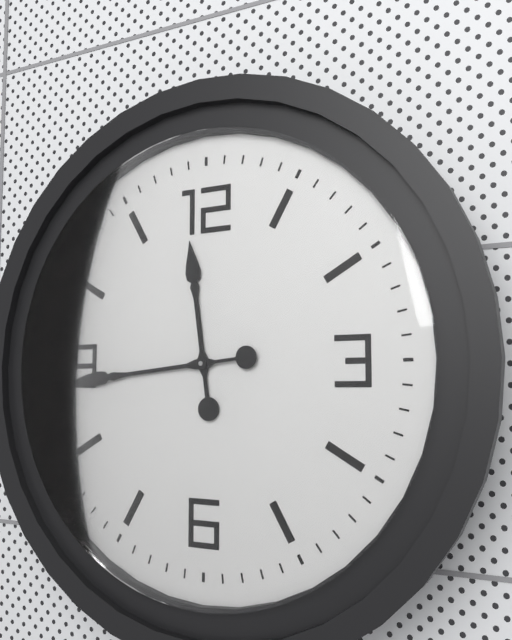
11:44
